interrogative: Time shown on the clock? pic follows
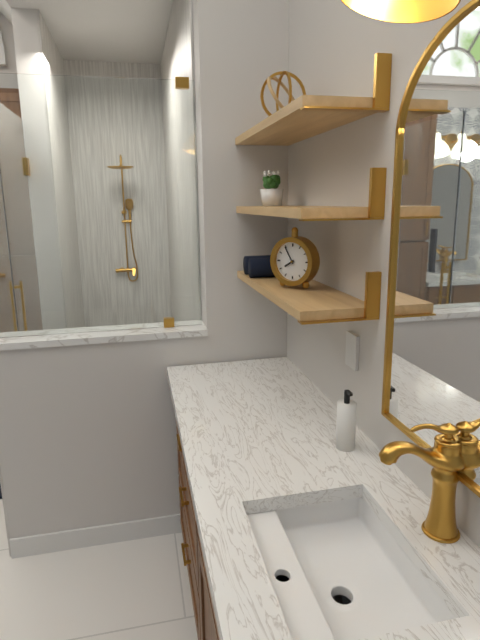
7:55
